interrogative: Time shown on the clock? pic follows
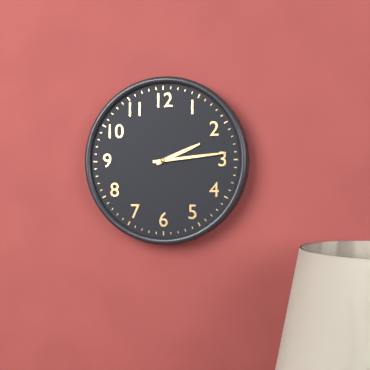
2:14
